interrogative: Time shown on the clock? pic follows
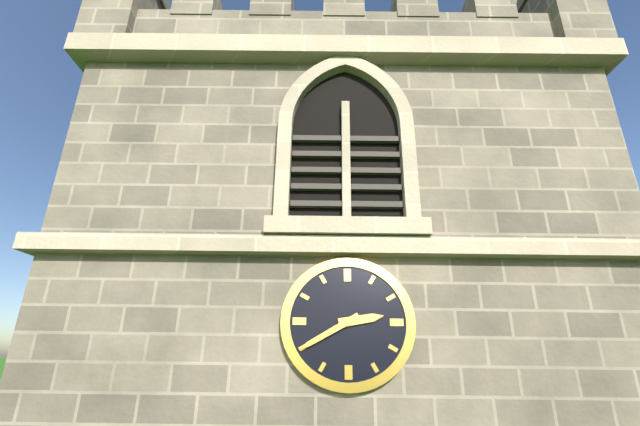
2:40
